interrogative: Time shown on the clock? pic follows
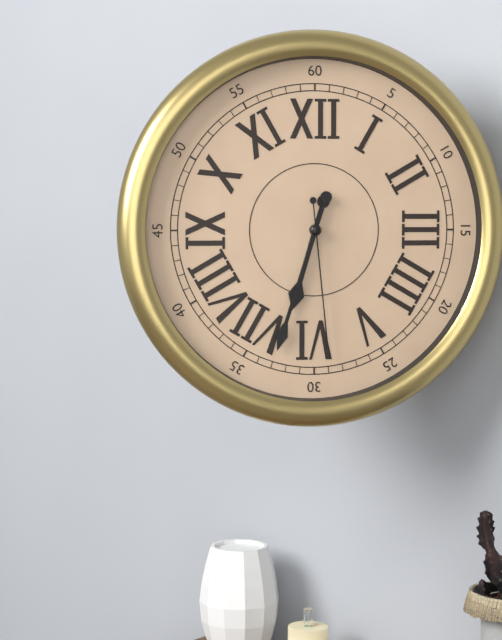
6:33:29
